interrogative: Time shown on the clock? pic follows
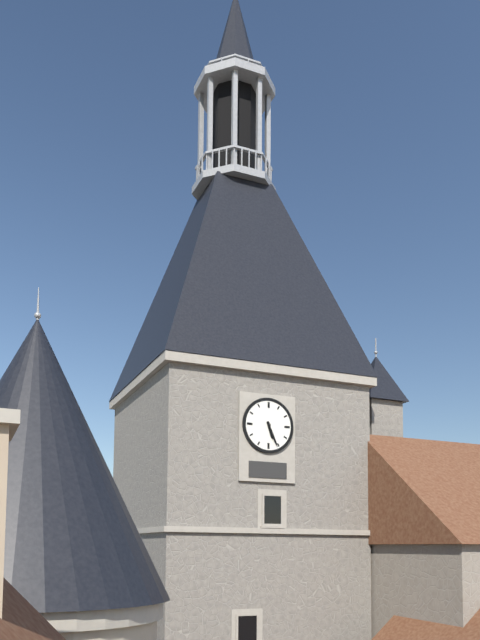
5:26
